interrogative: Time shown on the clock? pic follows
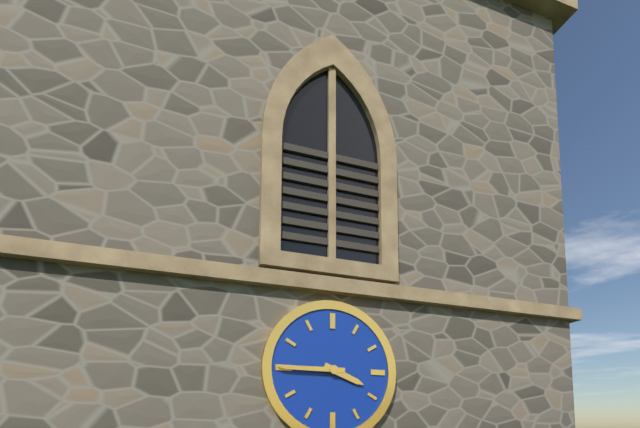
3:45
